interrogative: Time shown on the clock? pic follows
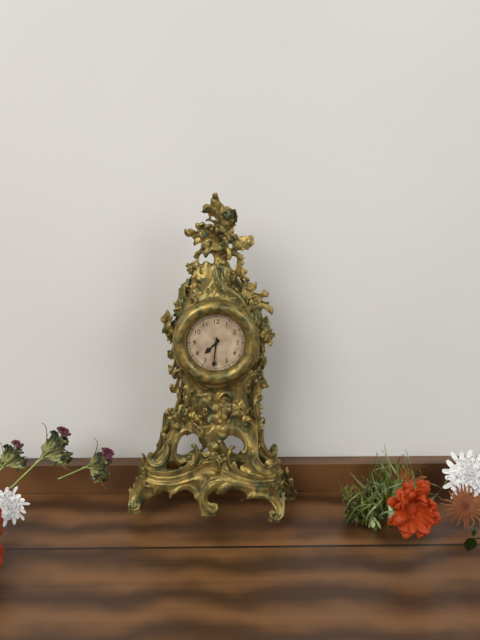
7:31
